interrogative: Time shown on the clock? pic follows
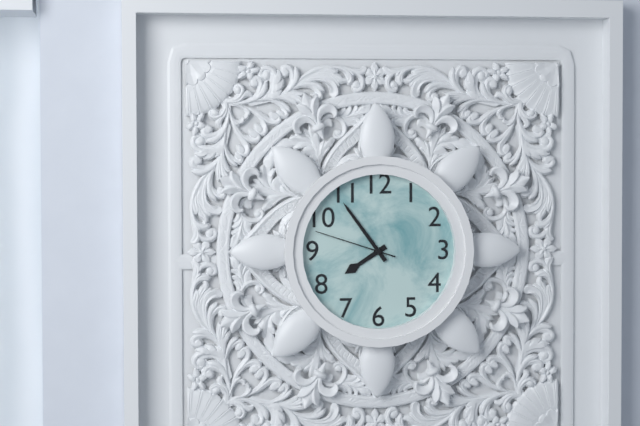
7:54:48
